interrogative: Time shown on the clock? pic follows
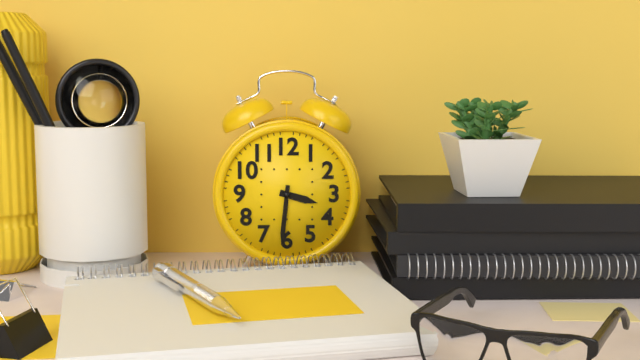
3:31
